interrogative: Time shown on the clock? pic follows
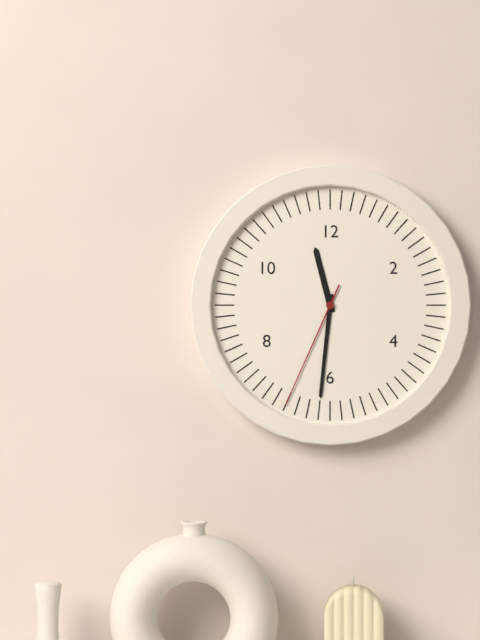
11:31:34
